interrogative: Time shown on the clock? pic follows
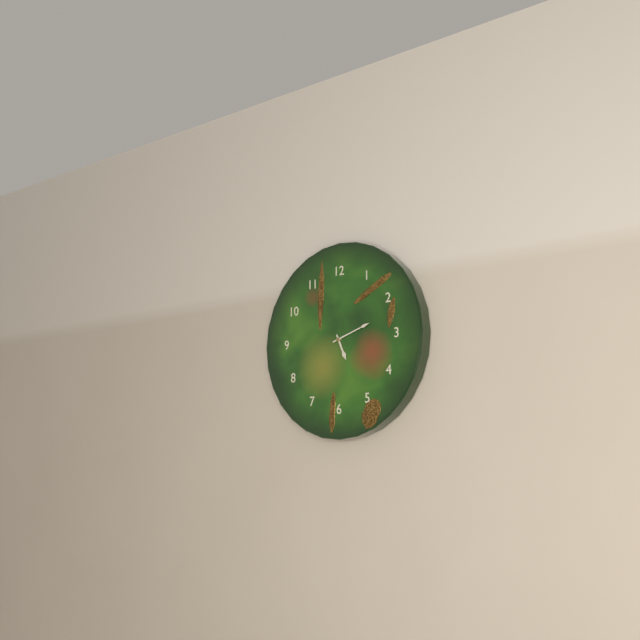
5:12
